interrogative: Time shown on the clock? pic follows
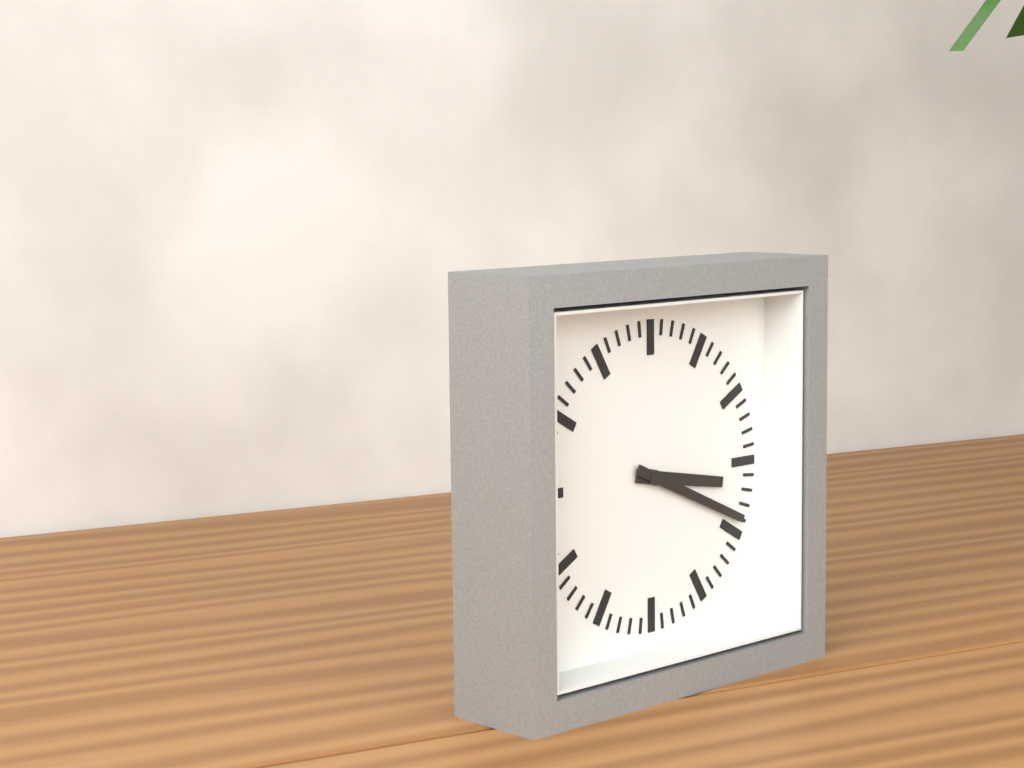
3:19
